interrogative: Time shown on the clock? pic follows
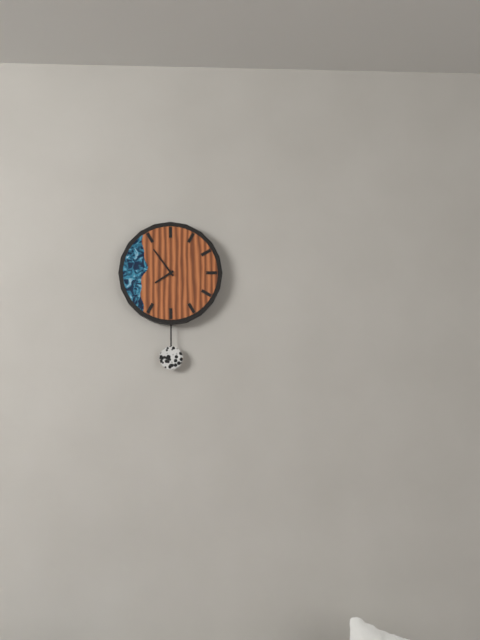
7:54
